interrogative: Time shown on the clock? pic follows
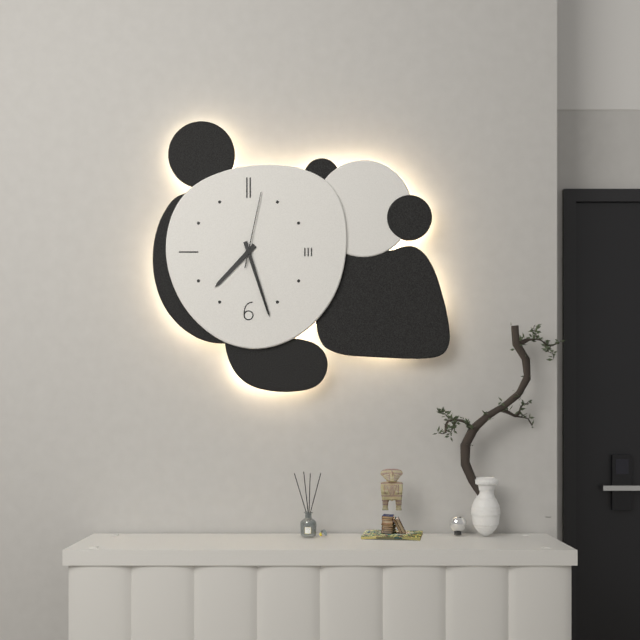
7:27:02
